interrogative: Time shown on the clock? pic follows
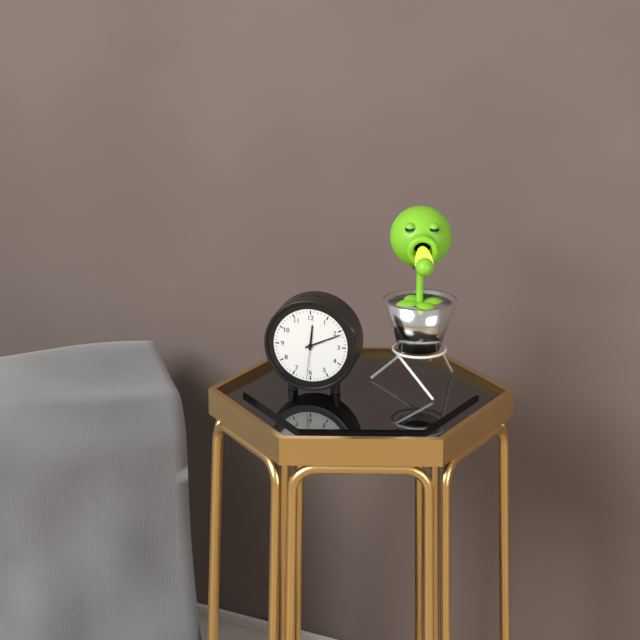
12:11
